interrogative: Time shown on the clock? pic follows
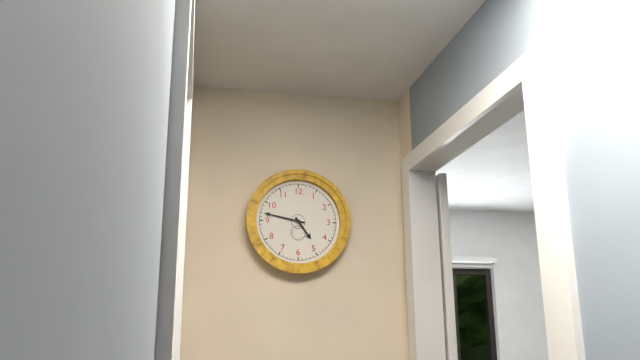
4:47
